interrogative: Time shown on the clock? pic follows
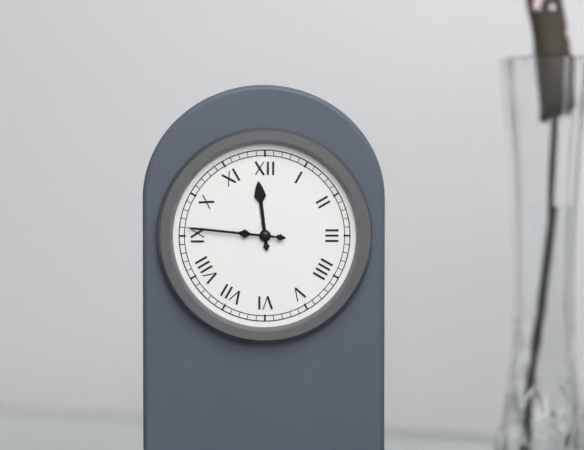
11:46
